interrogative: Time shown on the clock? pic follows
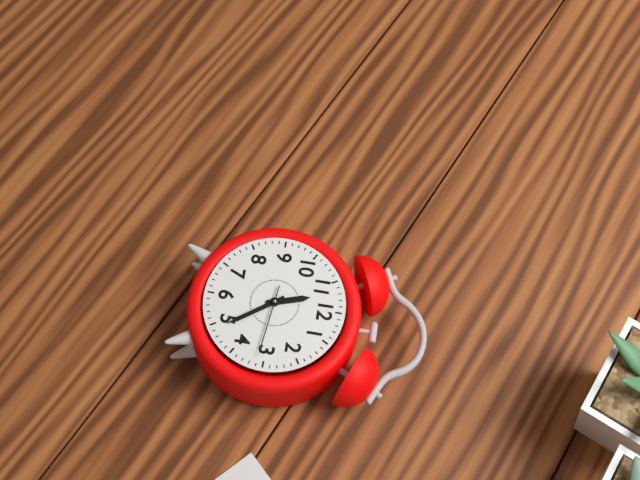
11:24:16
